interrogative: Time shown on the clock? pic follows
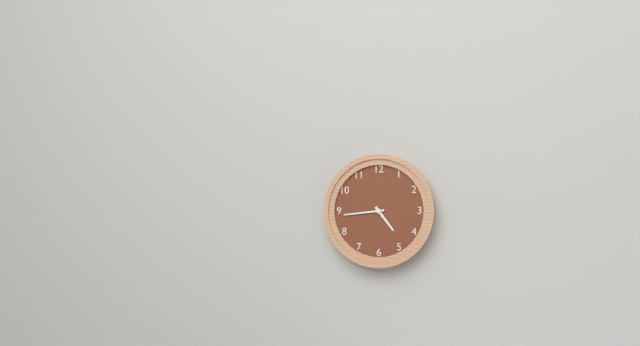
4:44
